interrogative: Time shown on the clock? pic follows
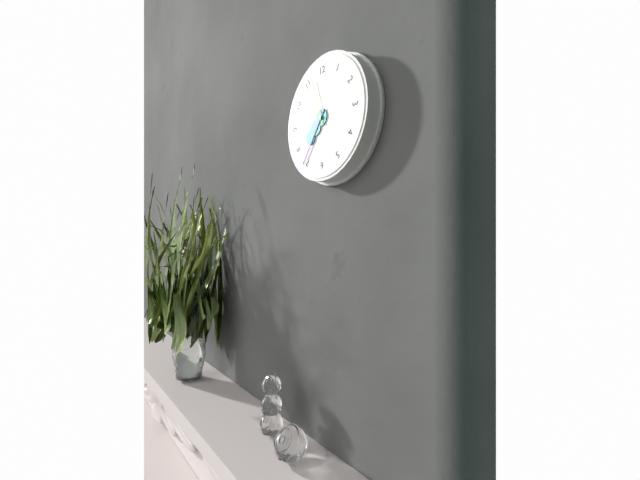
7:36:57
